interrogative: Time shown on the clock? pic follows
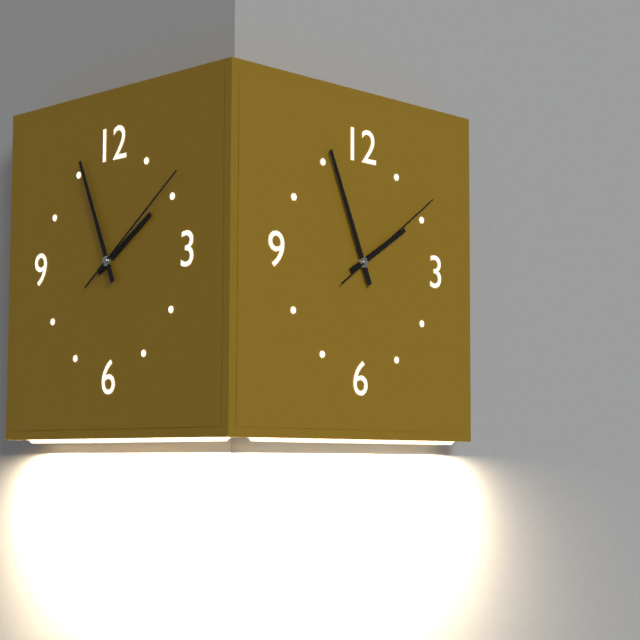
1:56:09
